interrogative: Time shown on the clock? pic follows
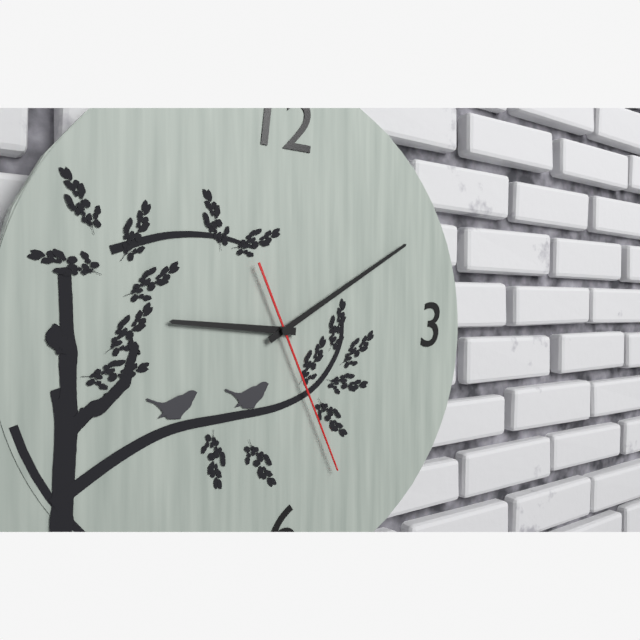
9:10:26
